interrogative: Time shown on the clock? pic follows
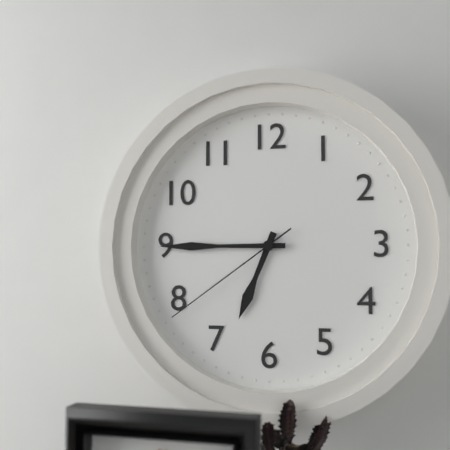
6:45:39
